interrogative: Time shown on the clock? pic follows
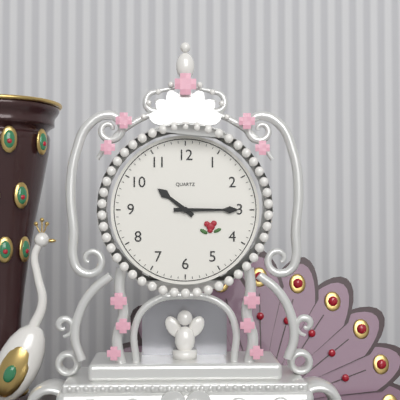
10:15
